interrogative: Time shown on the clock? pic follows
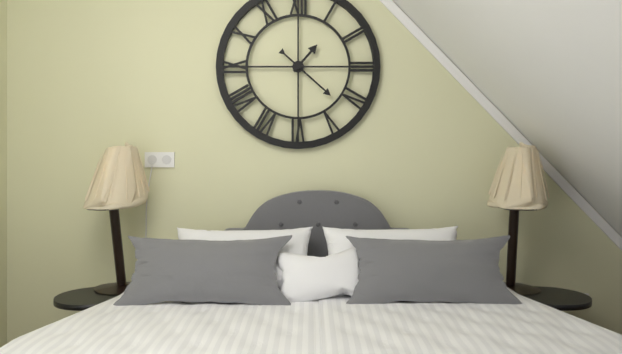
1:22
